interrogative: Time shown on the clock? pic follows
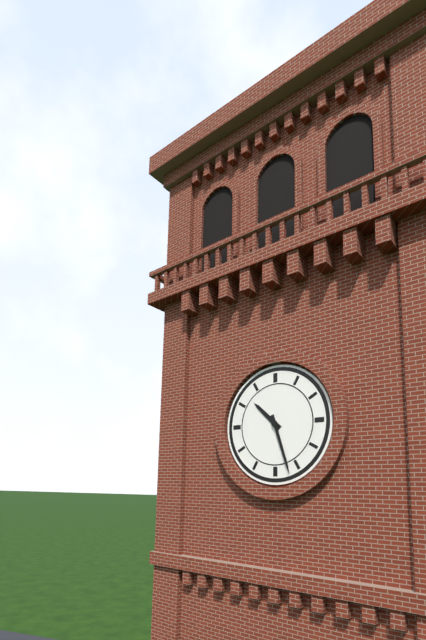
10:27
